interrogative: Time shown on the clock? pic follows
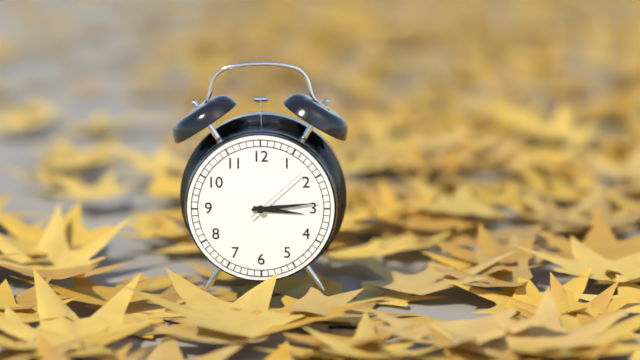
3:14:08
